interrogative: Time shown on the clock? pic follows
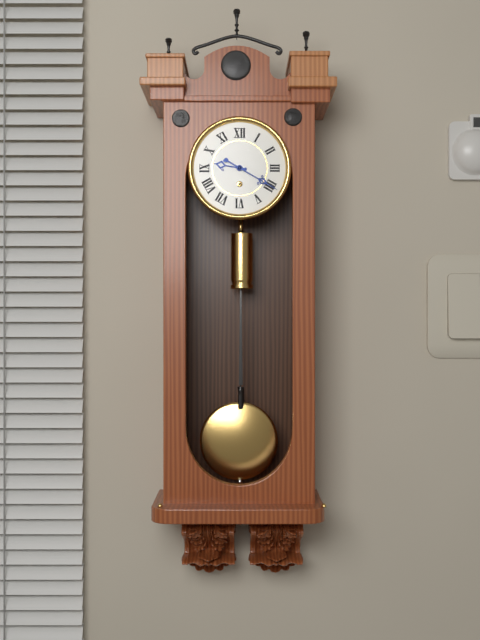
9:20
